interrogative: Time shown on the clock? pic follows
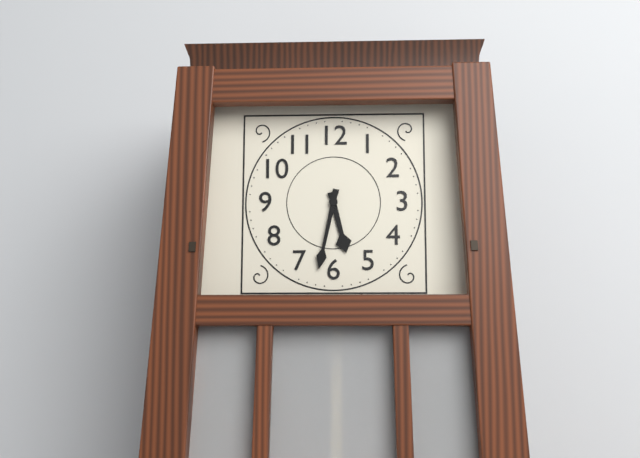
5:32
